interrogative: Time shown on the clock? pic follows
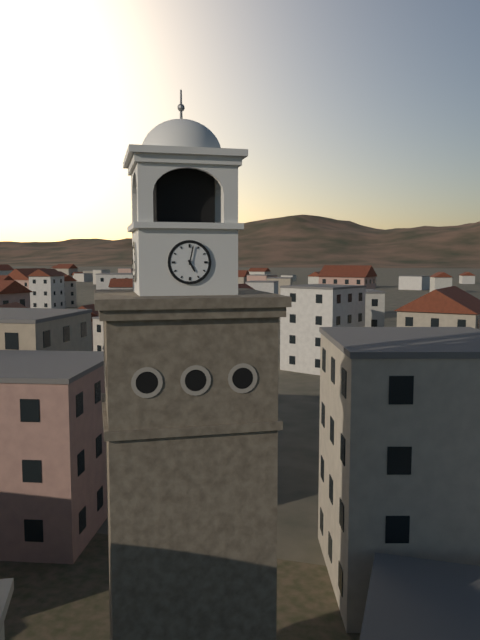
5:02
